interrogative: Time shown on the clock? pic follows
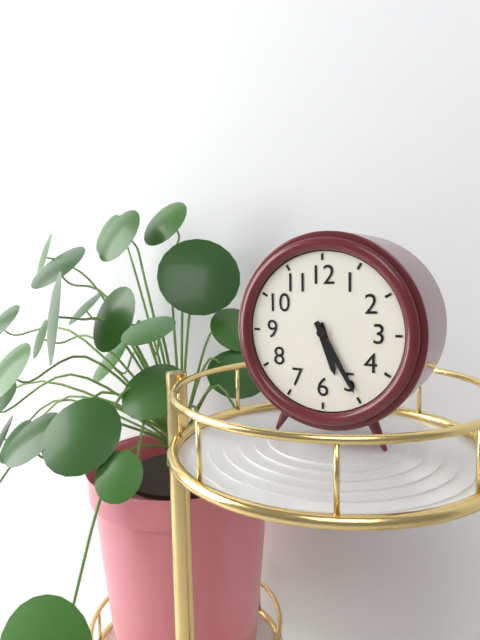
5:25
